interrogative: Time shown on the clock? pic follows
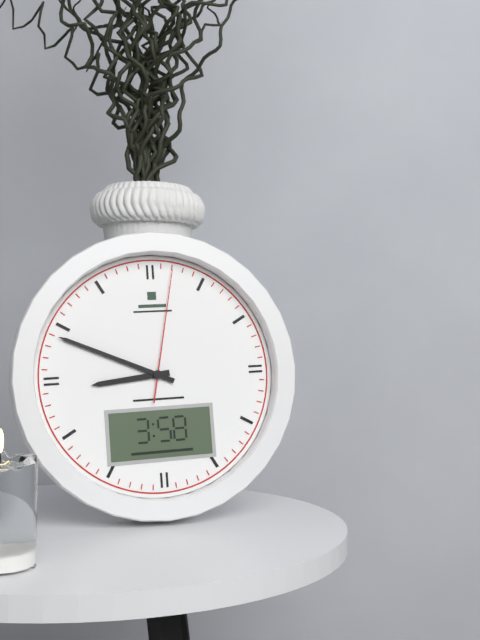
8:49:02
